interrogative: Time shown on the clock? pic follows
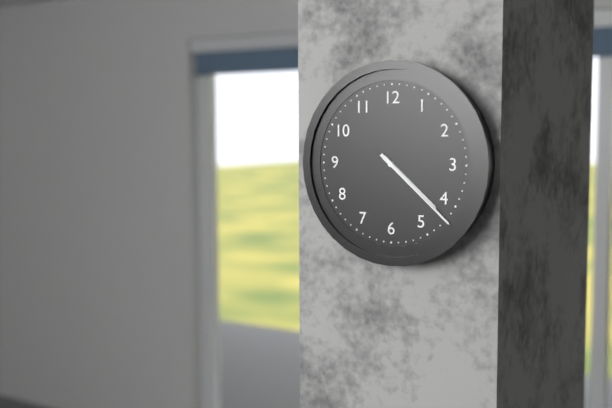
4:22
